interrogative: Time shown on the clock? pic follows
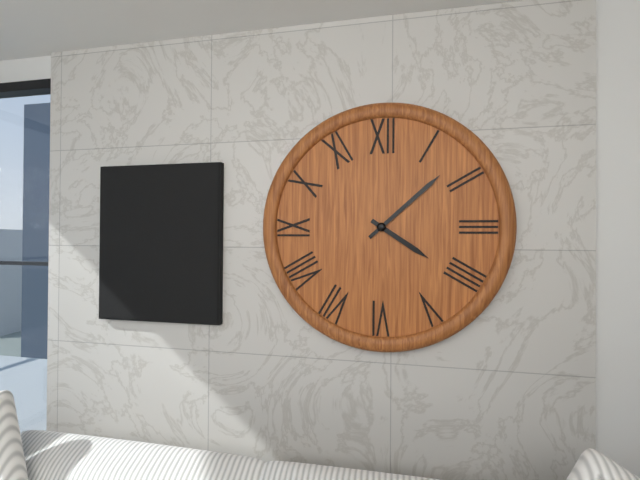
4:08
